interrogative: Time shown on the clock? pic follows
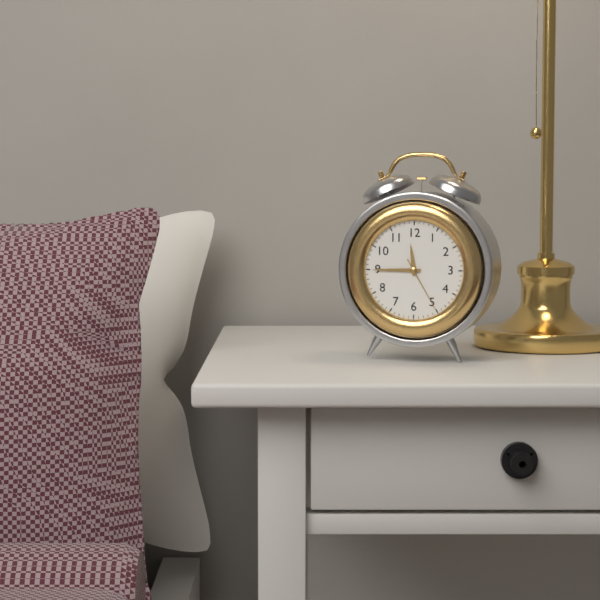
11:45:25
